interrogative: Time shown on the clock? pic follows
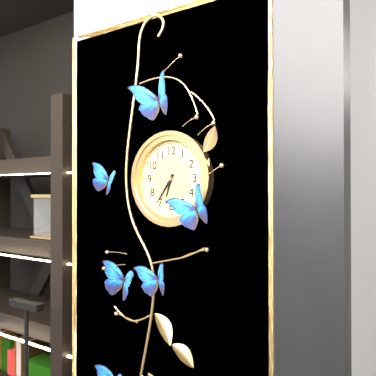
6:36
